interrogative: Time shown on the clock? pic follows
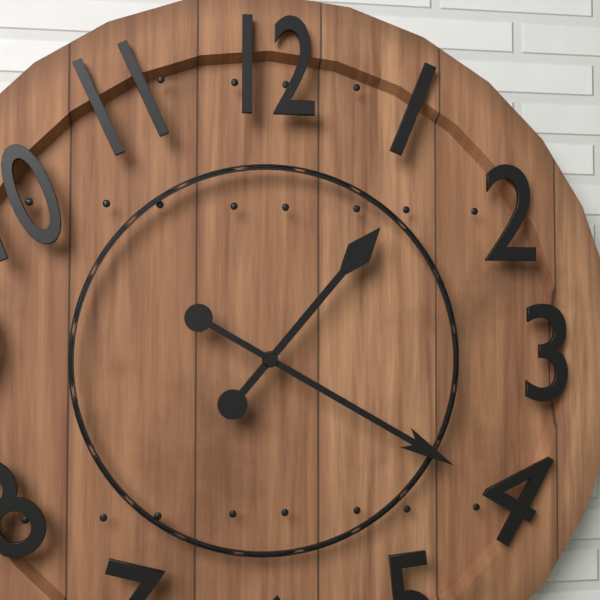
1:20
